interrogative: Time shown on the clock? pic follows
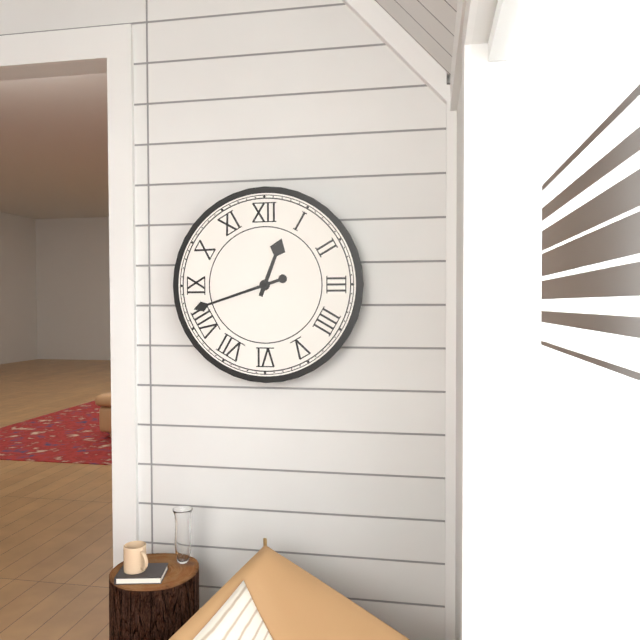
12:42
